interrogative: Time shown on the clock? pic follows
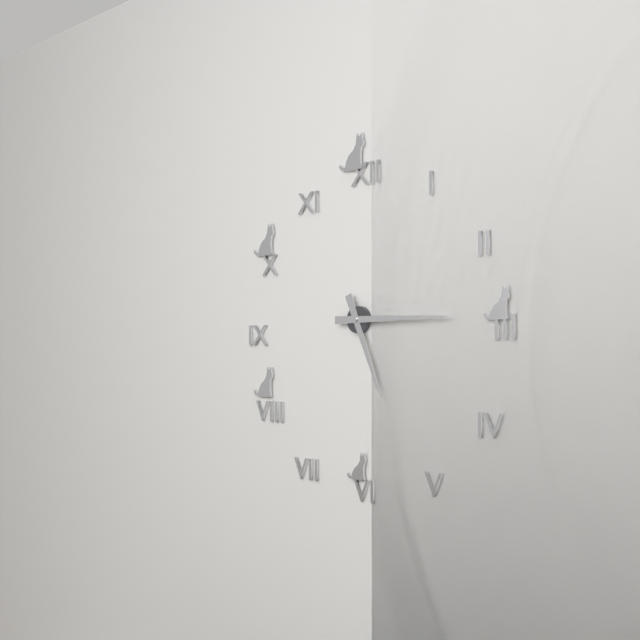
5:15
